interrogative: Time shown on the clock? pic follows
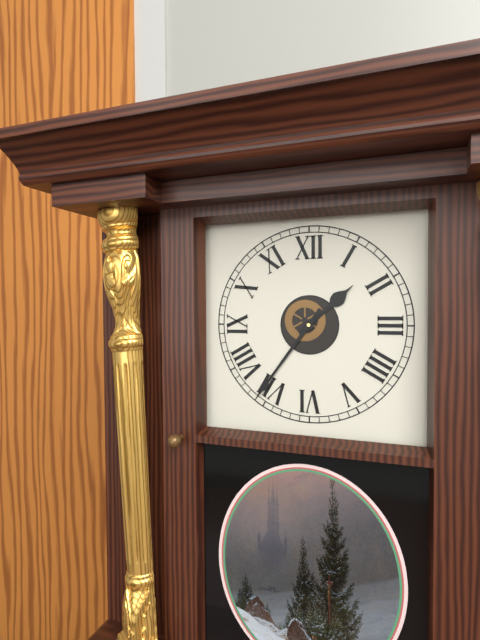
1:36
